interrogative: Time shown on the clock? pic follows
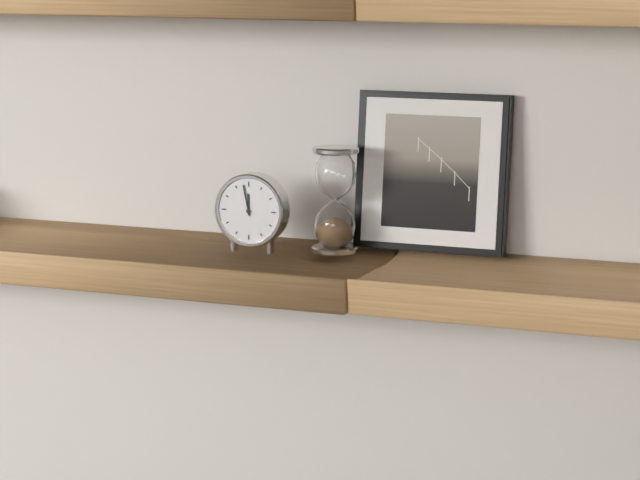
11:58
